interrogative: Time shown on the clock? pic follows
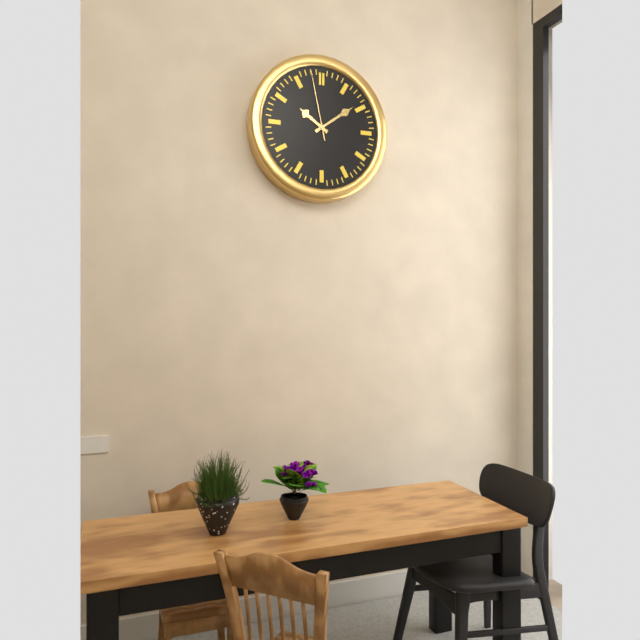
10:09:58
